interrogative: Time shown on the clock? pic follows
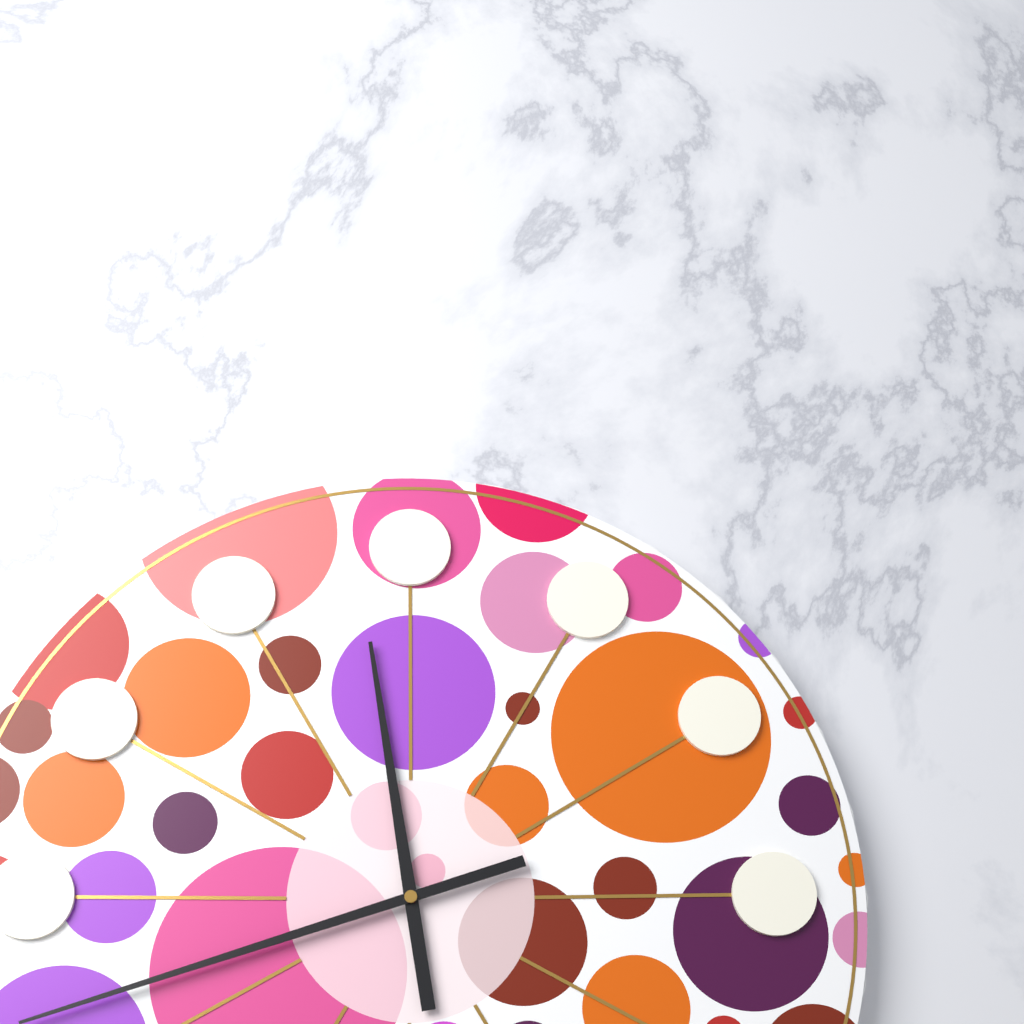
11:42
